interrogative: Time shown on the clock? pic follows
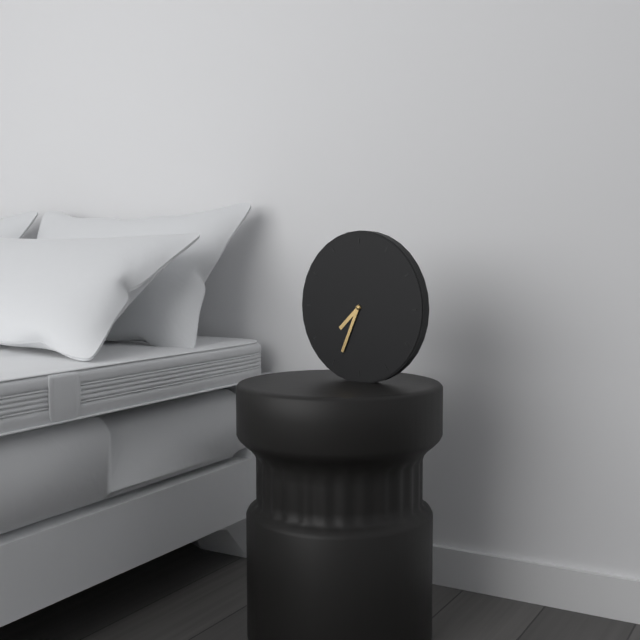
7:34
